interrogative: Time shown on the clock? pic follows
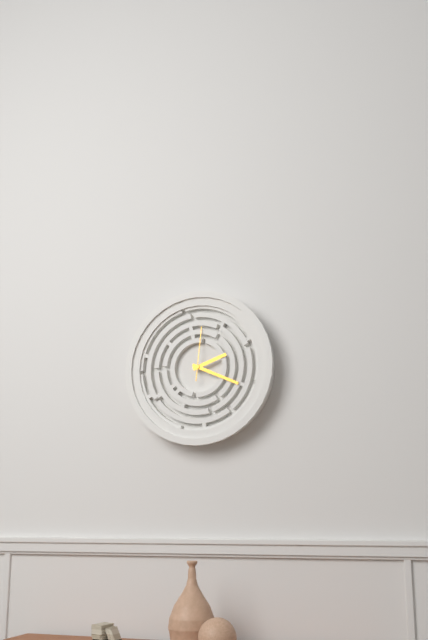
2:19:01
